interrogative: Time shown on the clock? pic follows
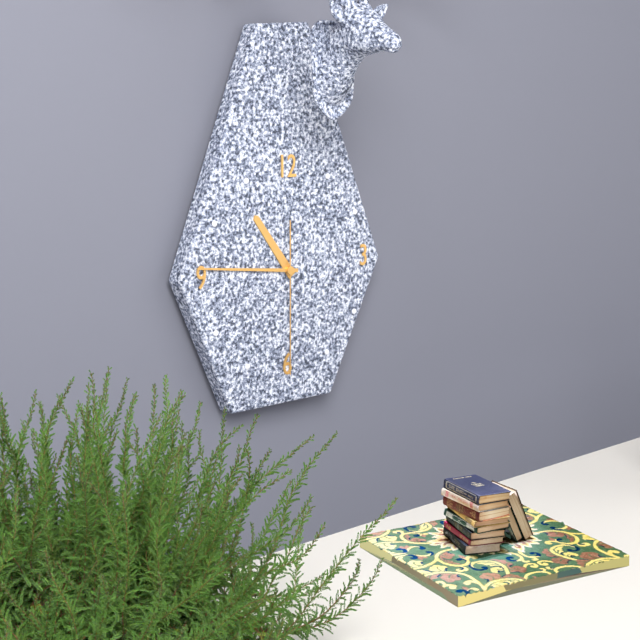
10:46:30
